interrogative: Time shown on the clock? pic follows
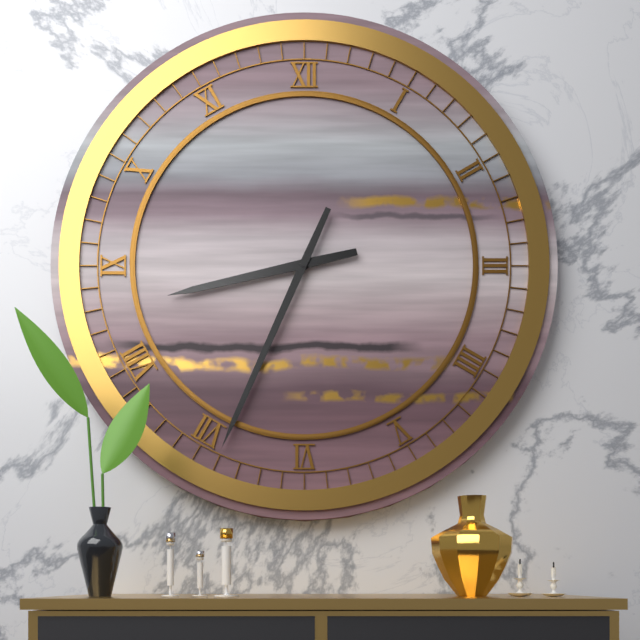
8:34
